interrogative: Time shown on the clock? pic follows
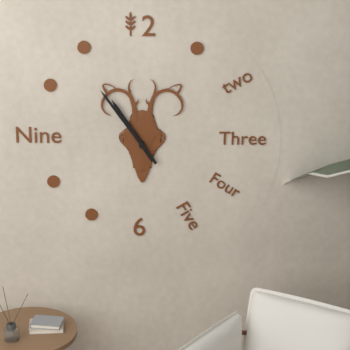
10:54
